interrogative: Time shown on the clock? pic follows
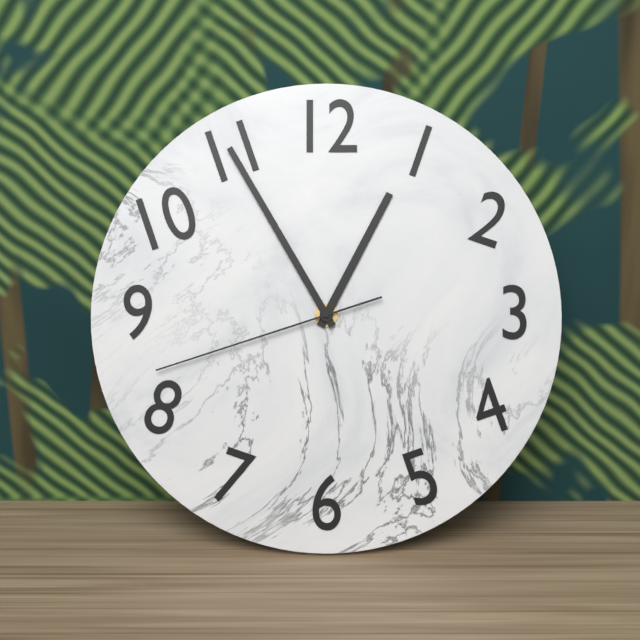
12:55:42
